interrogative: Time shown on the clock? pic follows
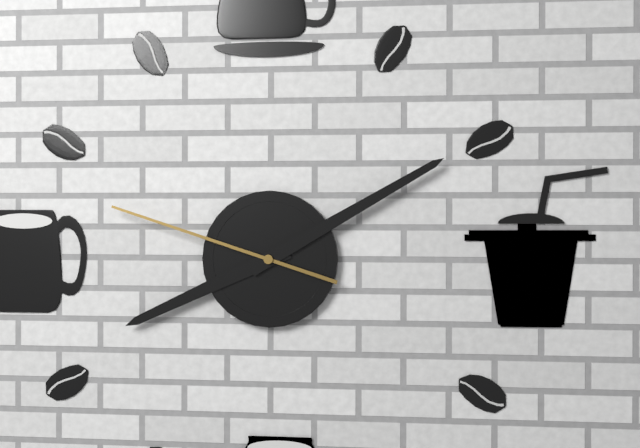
8:10:48
